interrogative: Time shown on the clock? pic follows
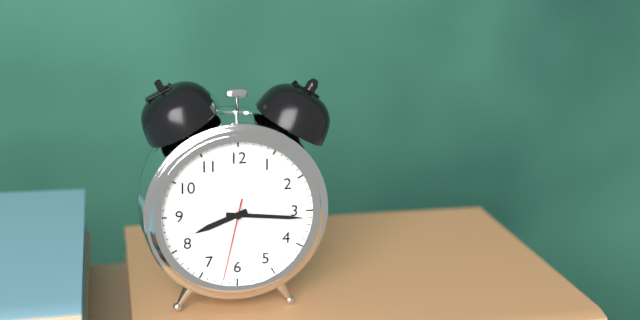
8:16:32
